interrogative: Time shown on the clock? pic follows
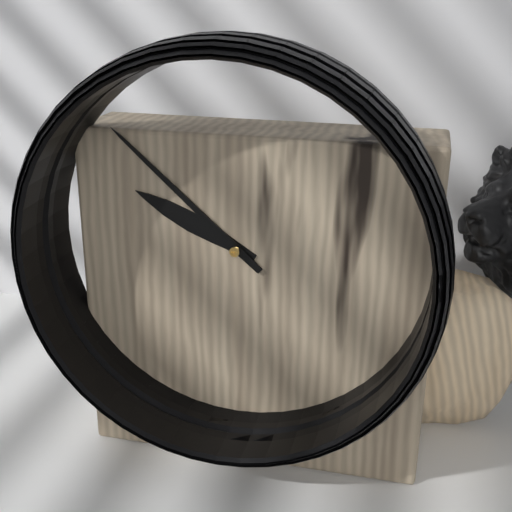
9:52
